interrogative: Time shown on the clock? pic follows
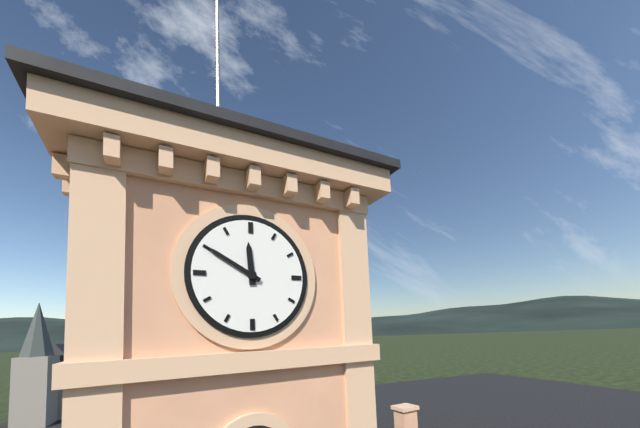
11:50
